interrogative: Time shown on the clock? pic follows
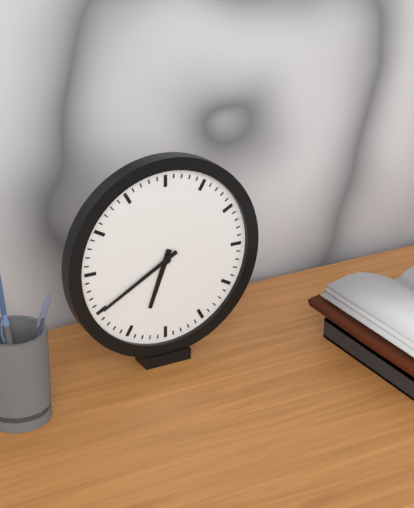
6:40
